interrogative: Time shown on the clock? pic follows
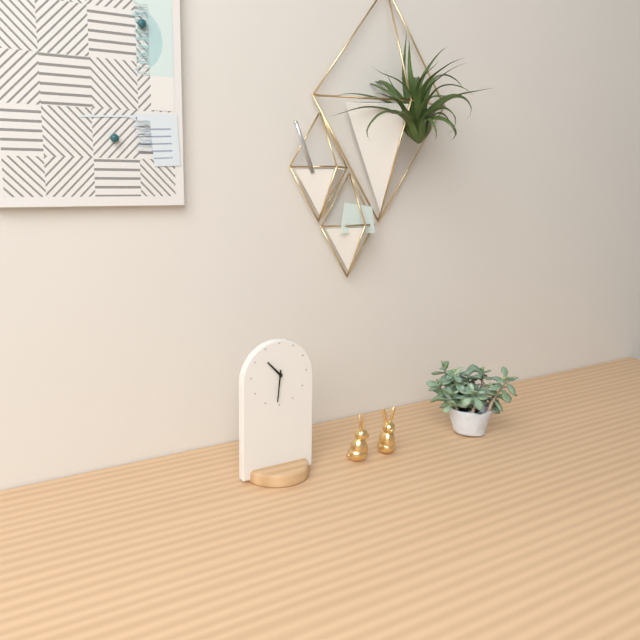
10:31
